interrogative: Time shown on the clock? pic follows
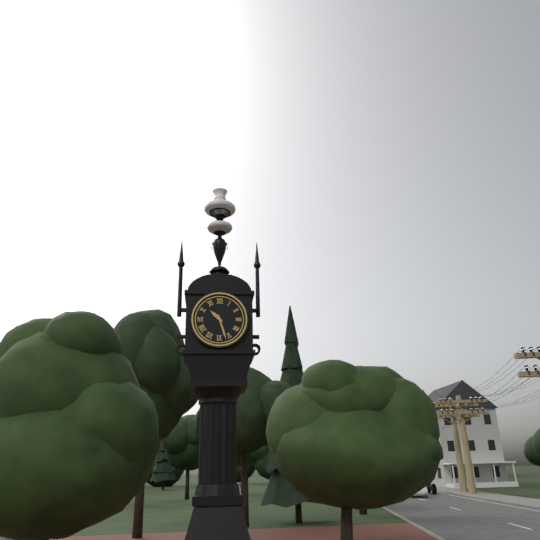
10:27
